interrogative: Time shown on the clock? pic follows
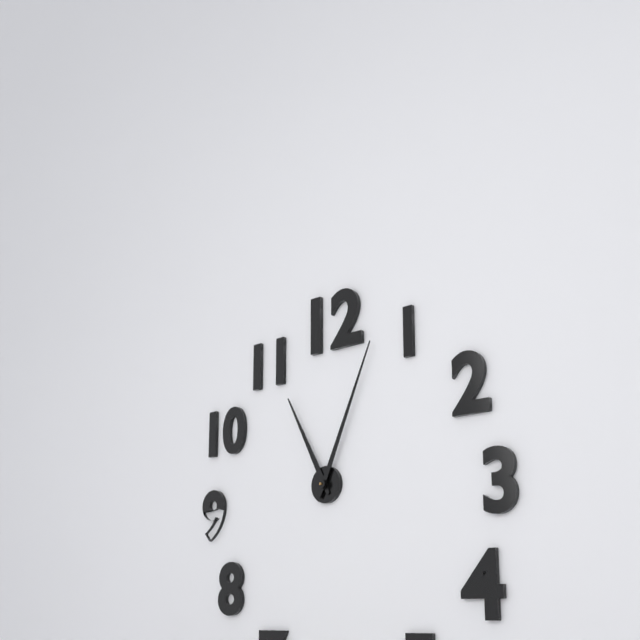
11:04
